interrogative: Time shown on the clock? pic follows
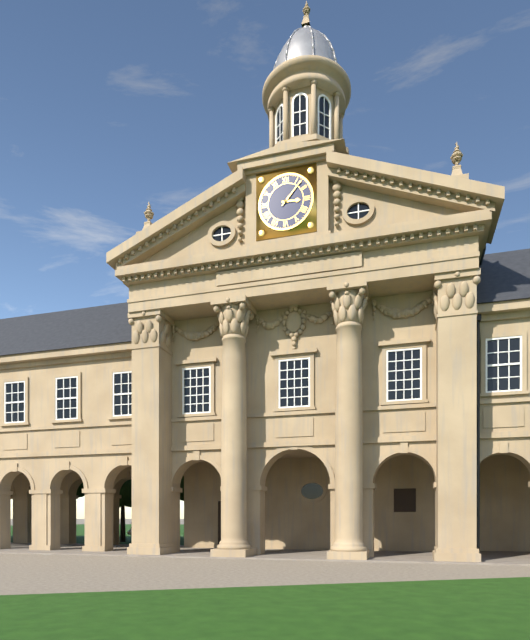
3:07
